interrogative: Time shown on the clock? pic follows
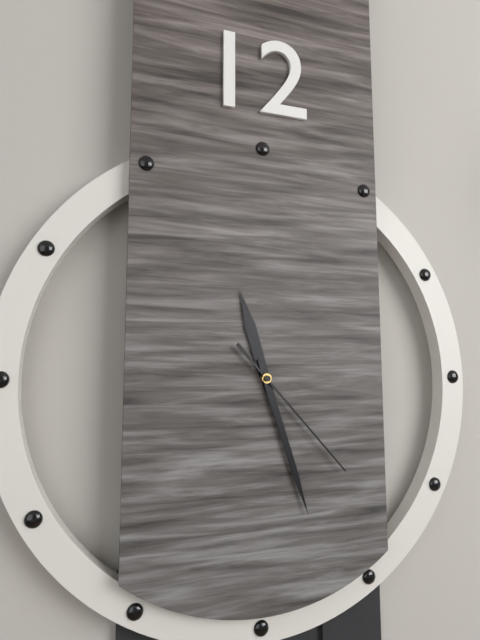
11:27:23
